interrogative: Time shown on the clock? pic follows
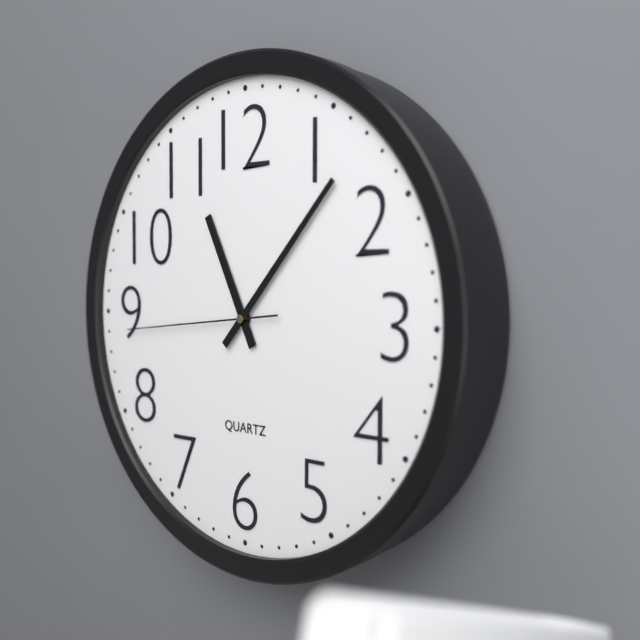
11:07:44
